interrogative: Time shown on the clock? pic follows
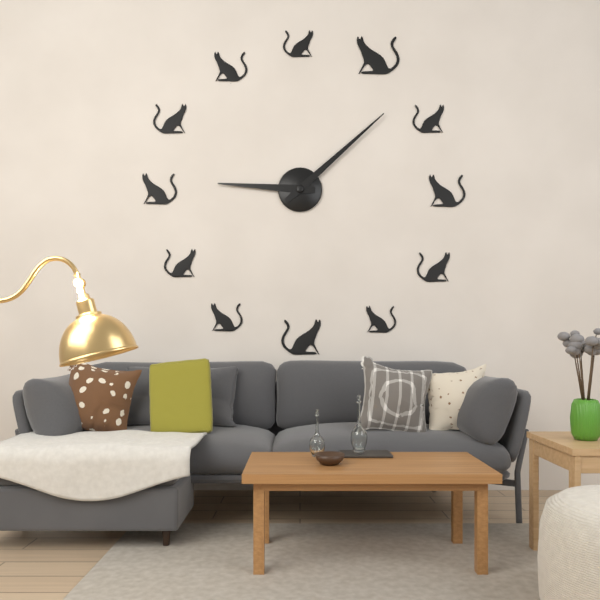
9:08
